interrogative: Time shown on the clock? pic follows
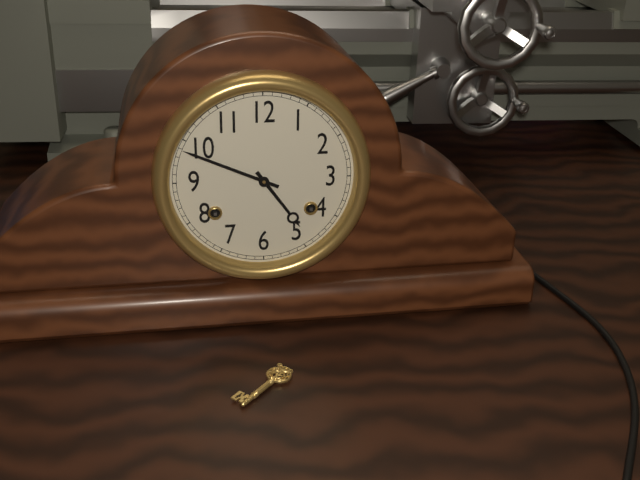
4:49
